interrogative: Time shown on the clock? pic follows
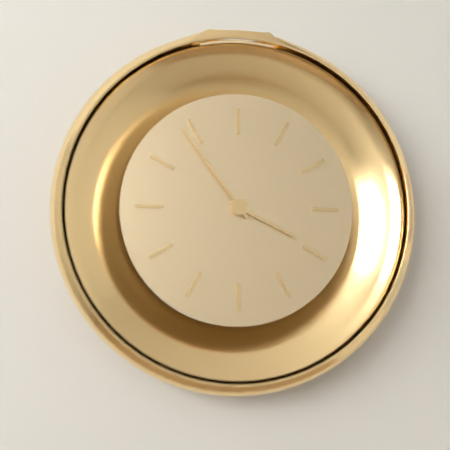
3:54
